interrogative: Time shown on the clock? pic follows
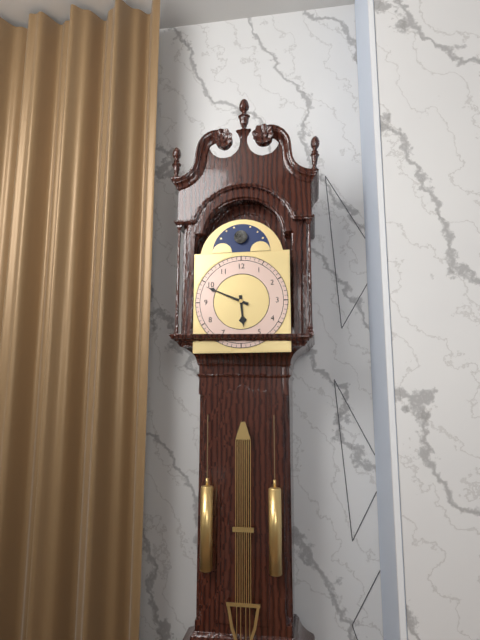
5:49
